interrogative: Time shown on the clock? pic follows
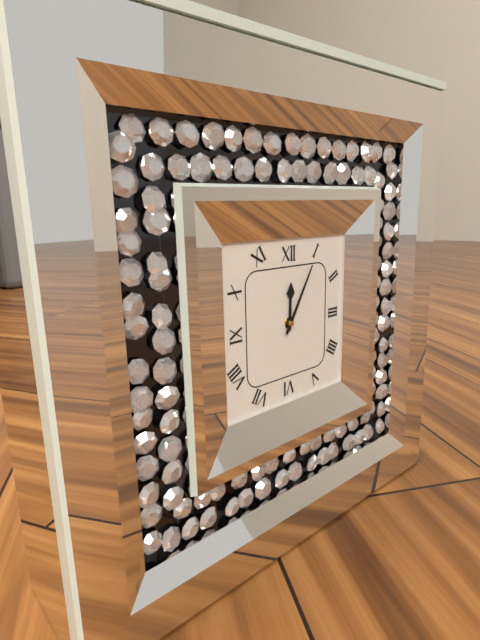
12:05
